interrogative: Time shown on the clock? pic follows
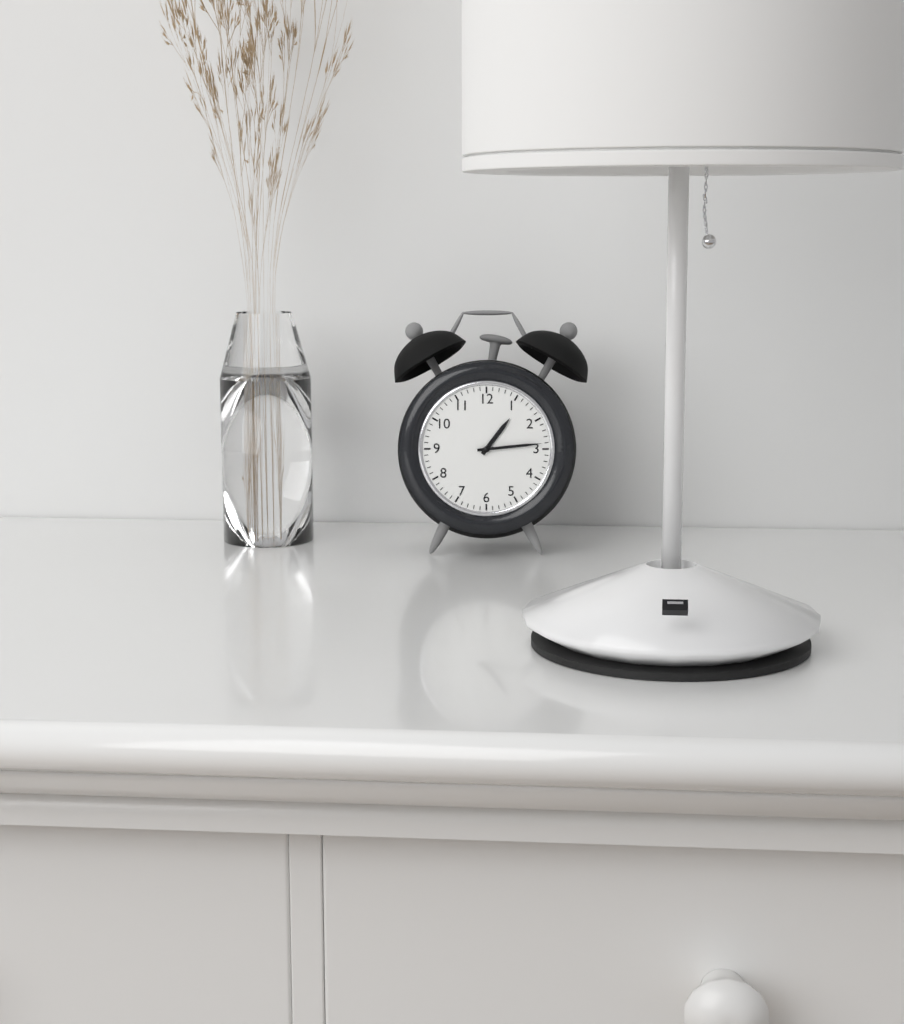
1:14
